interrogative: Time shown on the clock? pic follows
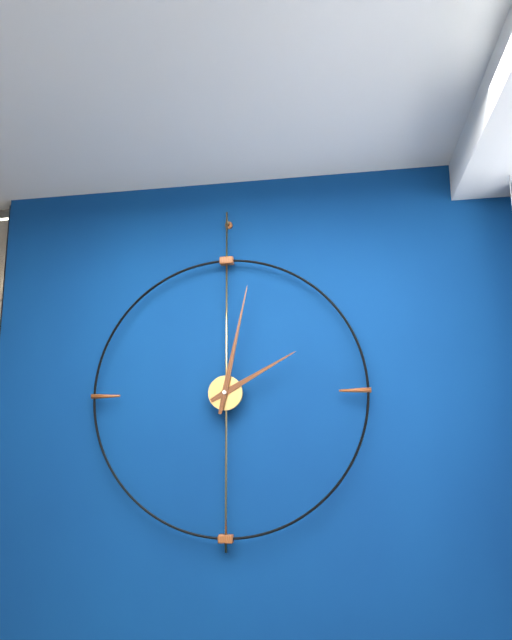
2:02
